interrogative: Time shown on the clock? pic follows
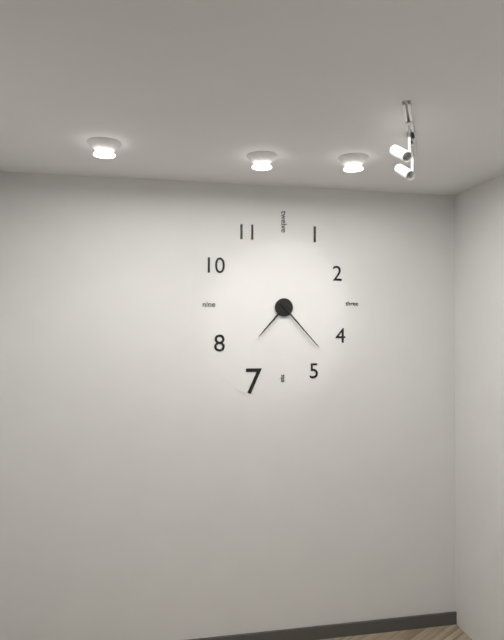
7:23
